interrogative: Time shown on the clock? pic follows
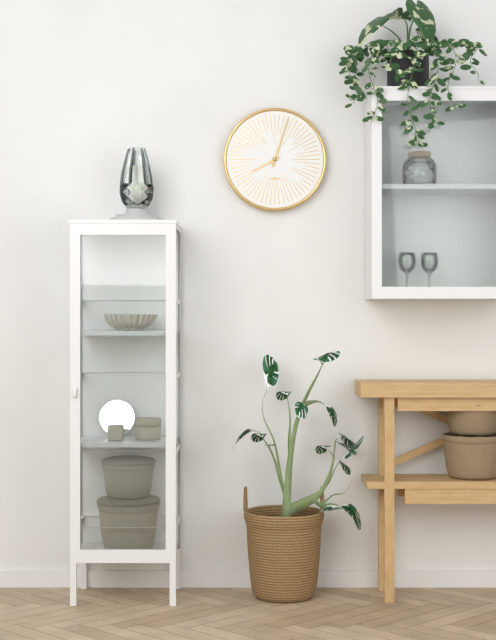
8:03
